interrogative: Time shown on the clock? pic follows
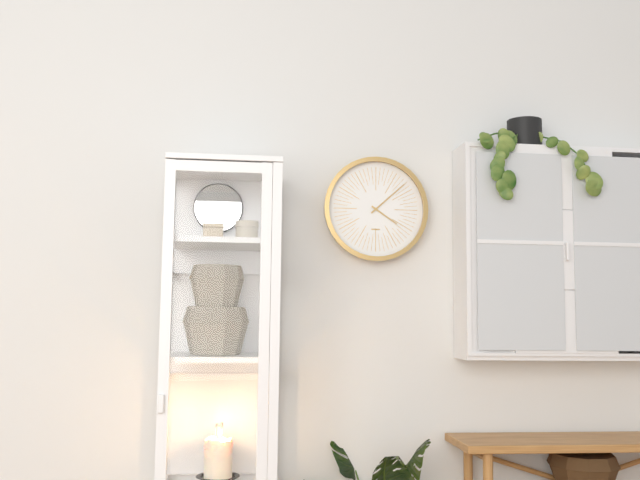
4:08
